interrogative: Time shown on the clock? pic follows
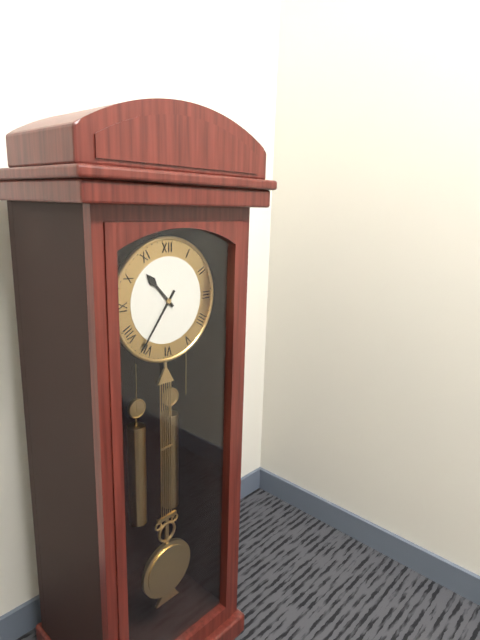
10:36
